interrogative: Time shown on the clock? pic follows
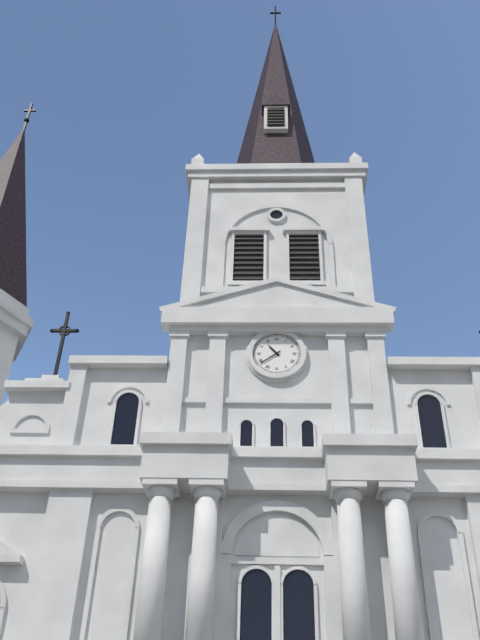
10:39
